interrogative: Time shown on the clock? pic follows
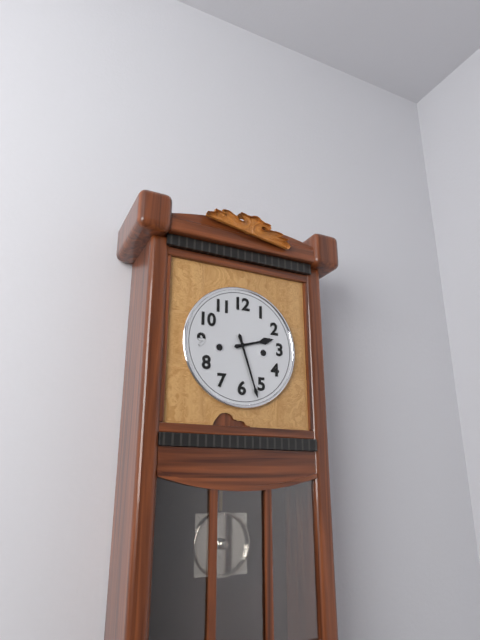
2:27
